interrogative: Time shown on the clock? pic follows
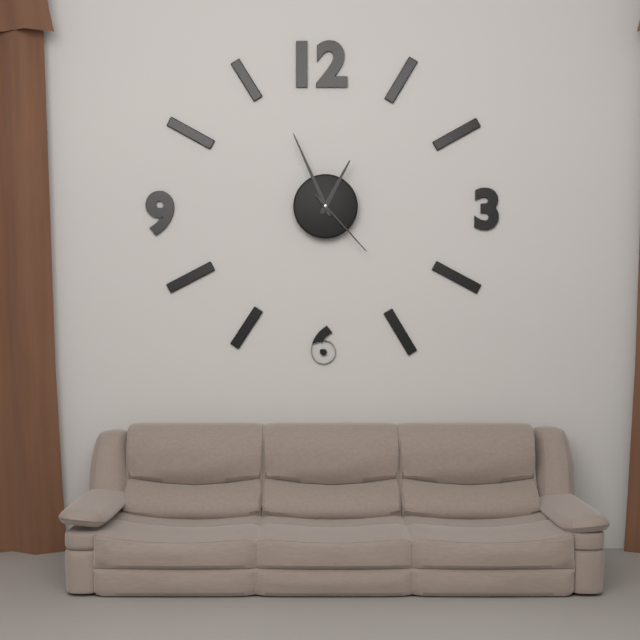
12:56:23
